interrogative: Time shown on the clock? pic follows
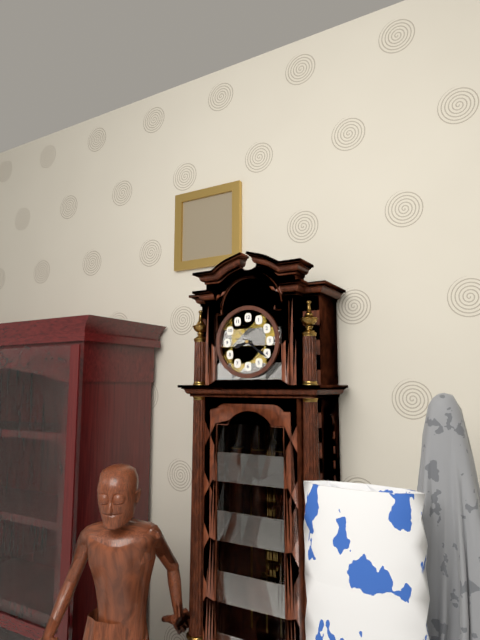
8:21
